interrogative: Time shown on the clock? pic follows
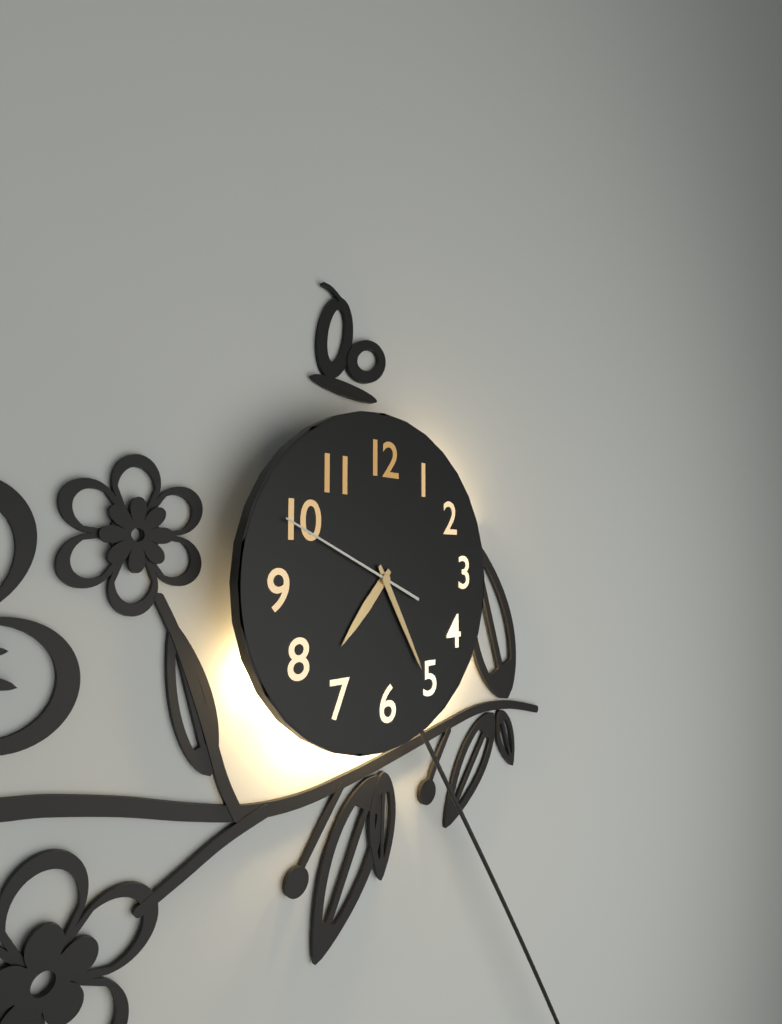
7:25:49
